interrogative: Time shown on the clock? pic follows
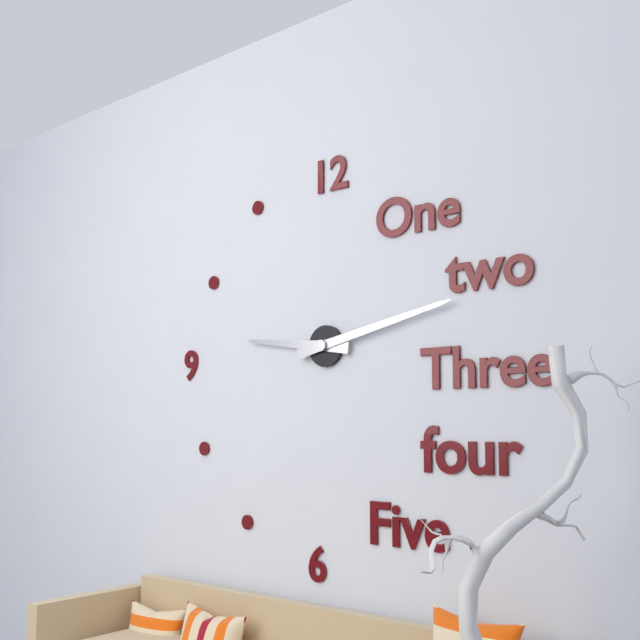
9:13
